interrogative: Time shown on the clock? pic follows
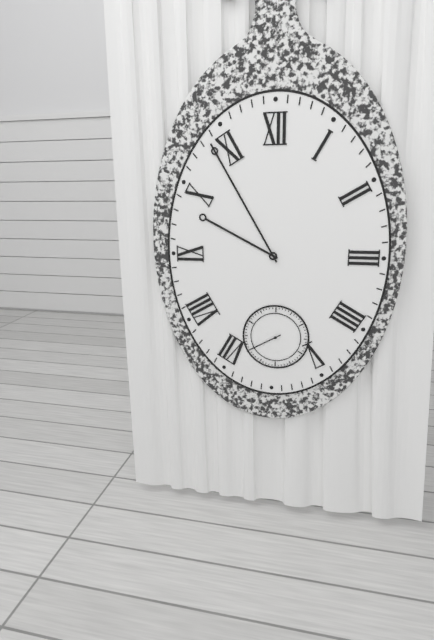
9:55
